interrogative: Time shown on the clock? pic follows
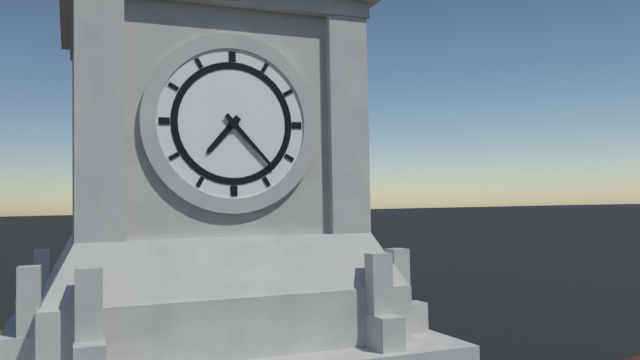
7:23
